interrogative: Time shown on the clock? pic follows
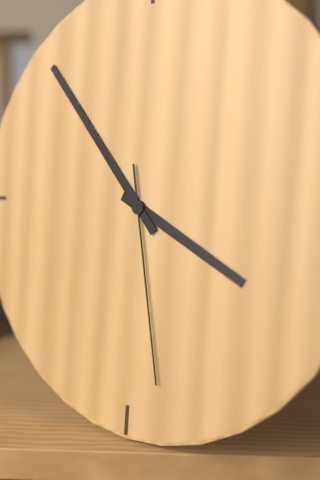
3:53:28
